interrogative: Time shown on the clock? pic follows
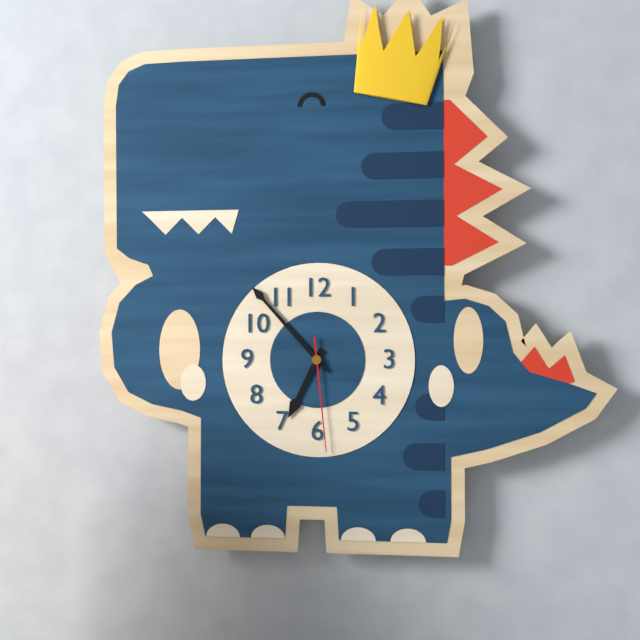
6:53:29
